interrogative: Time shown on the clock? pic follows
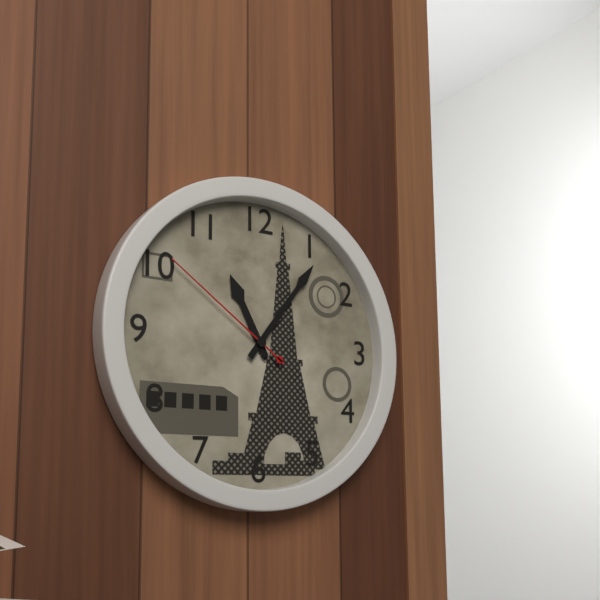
11:06:51
